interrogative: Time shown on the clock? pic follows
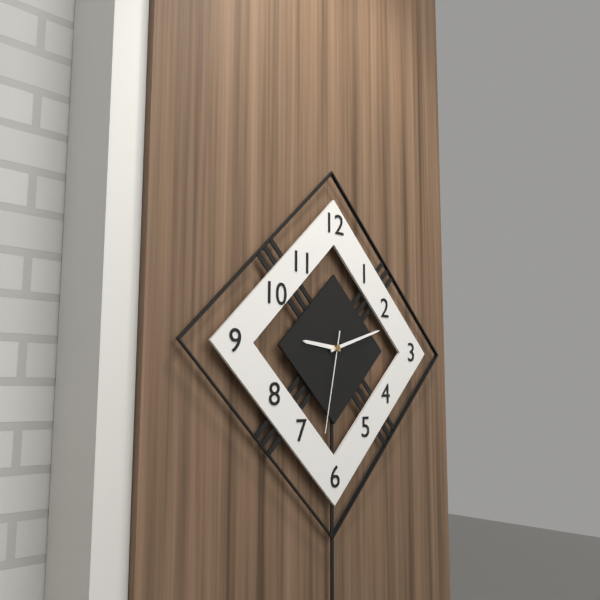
9:12:32
